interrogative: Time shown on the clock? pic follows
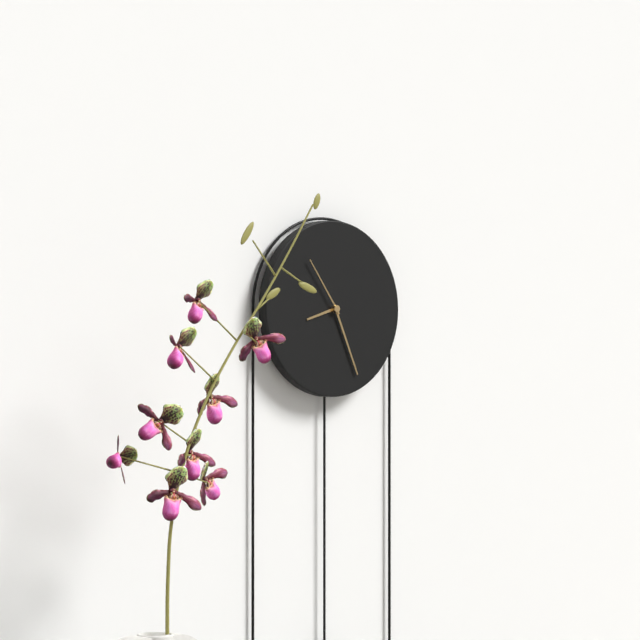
8:26:54
